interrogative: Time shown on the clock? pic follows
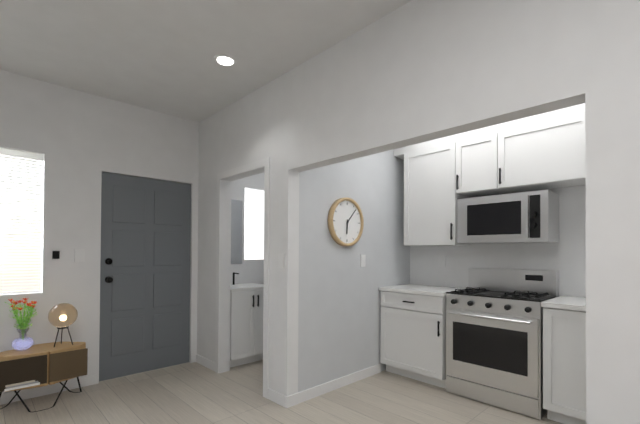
6:07
